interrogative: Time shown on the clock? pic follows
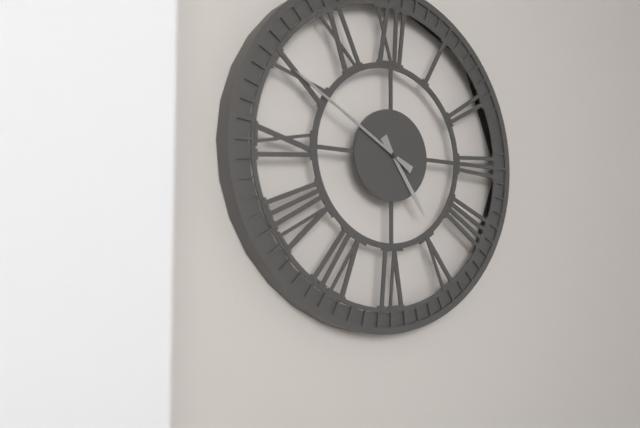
4:50
